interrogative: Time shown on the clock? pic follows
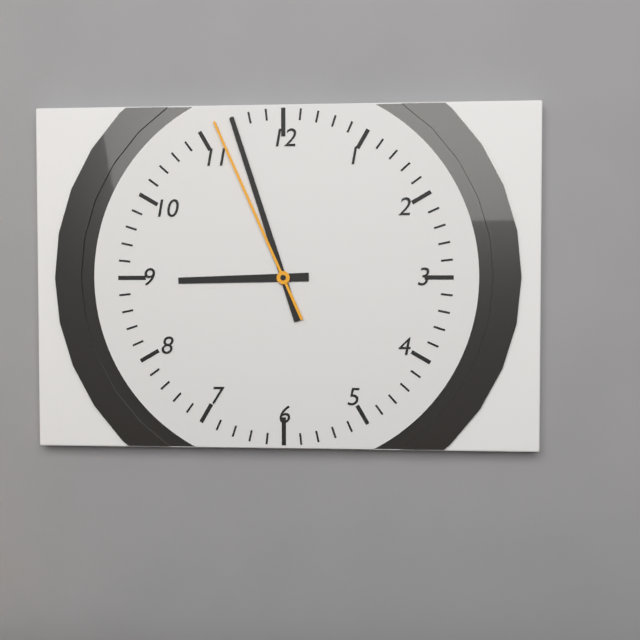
8:57:56
